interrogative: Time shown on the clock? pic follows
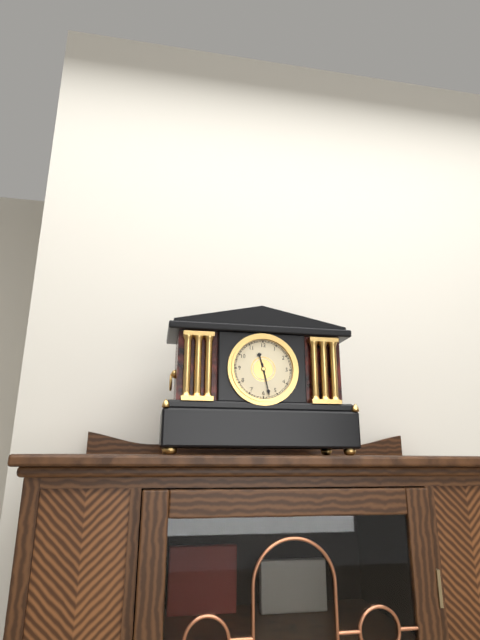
11:28
